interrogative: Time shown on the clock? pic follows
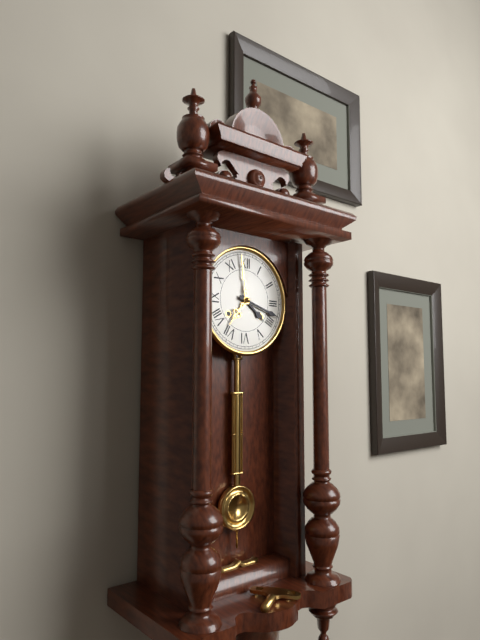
4:18
